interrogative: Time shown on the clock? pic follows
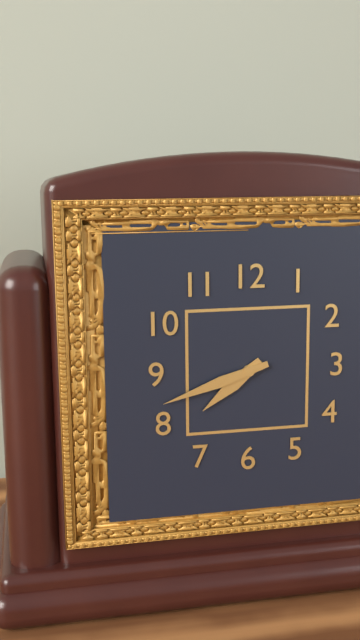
7:42
